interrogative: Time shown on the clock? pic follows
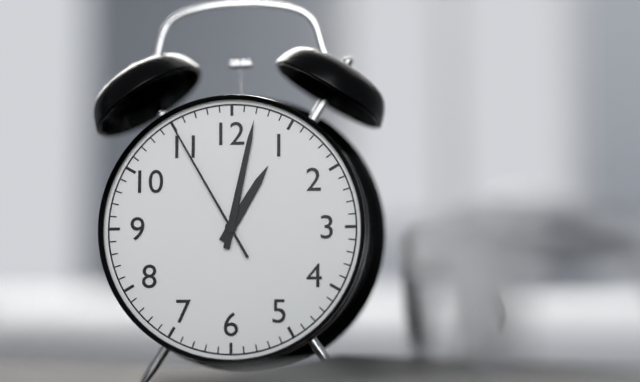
1:02:55
